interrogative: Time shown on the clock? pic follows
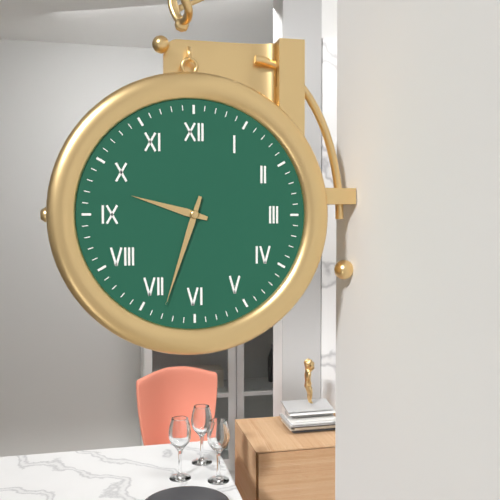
9:33
